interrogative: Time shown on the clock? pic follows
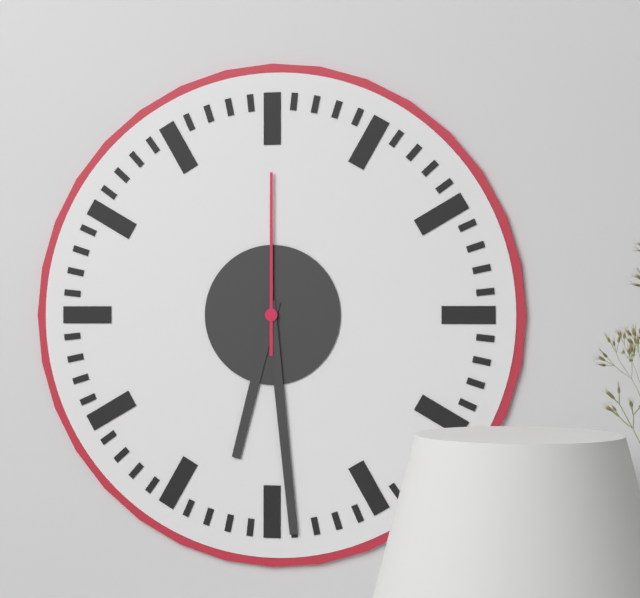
6:29:00
